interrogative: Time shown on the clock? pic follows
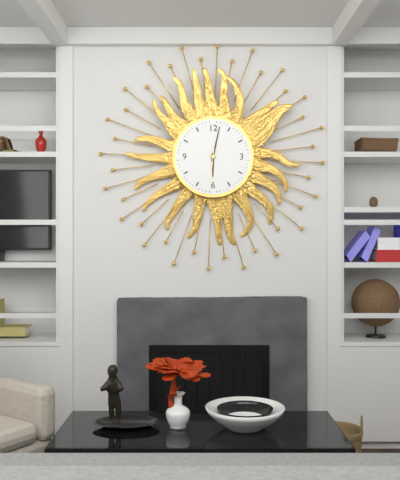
6:02
